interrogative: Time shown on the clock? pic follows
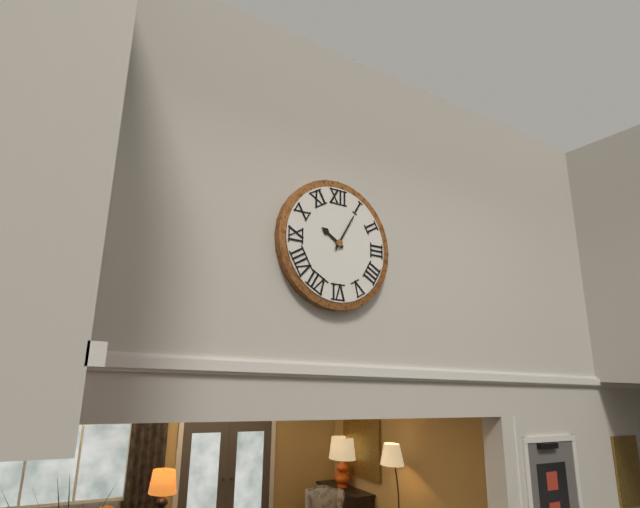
10:05
